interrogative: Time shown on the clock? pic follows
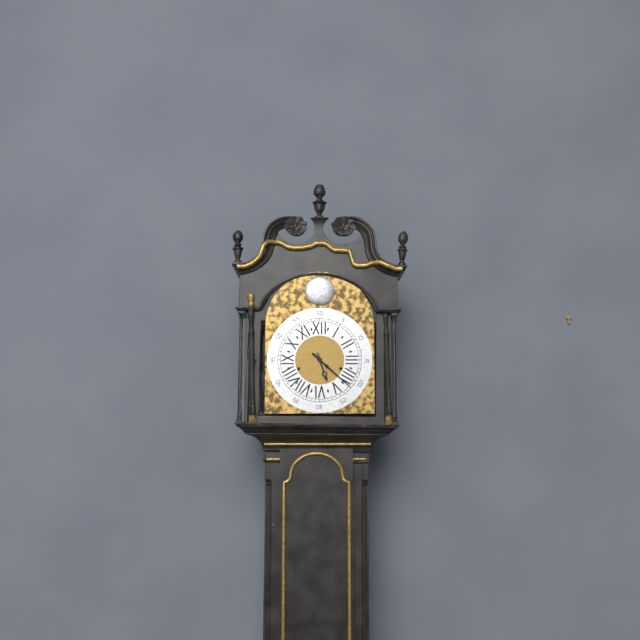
5:22
